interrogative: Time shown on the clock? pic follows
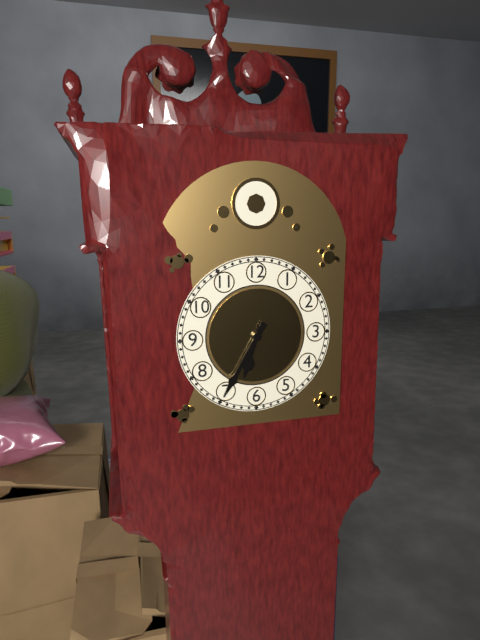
6:35
